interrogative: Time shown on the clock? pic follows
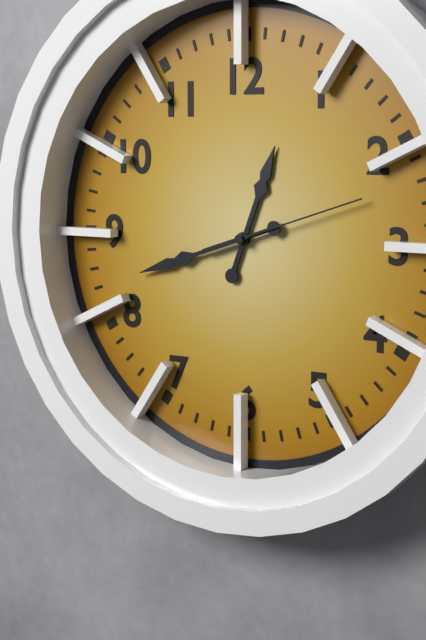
12:42:12
